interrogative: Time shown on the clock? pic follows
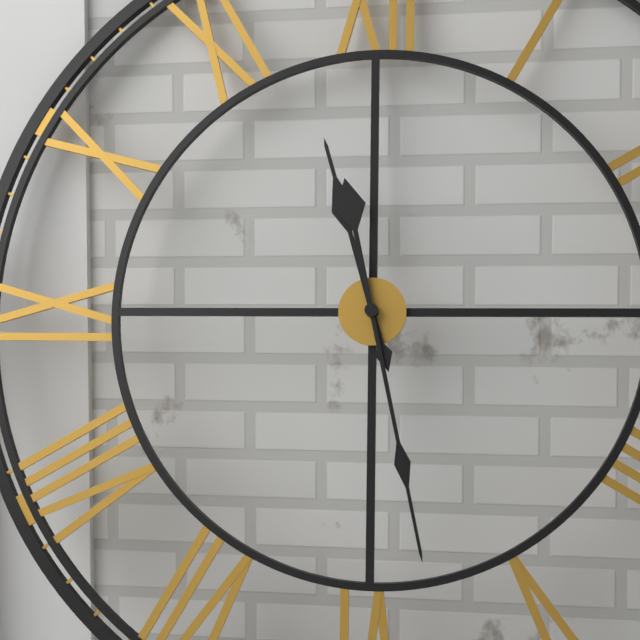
11:28
